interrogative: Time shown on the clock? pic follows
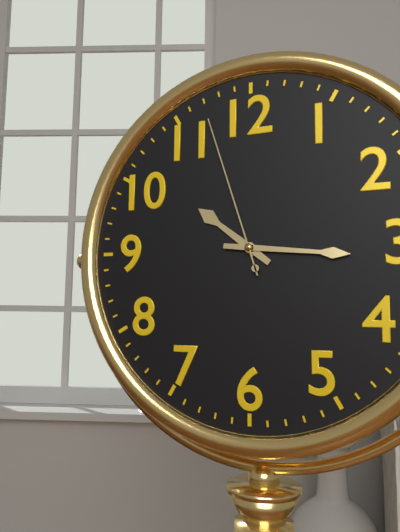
10:16:57
